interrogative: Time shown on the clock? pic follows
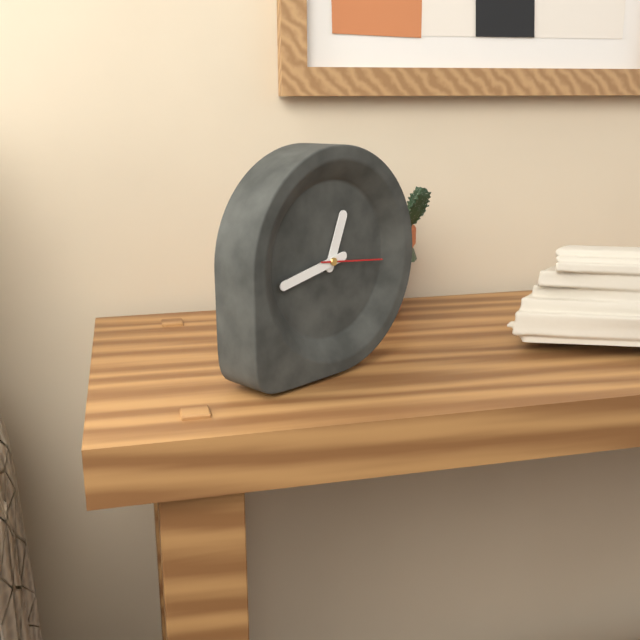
12:43:16
